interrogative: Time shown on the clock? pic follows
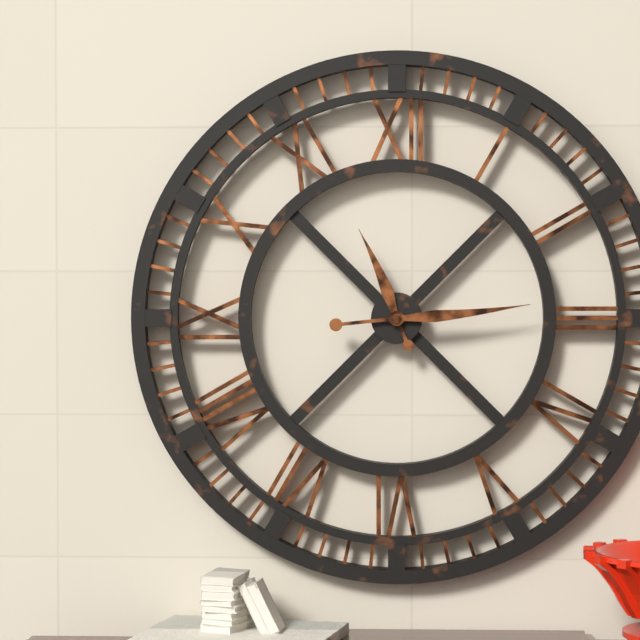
11:14
